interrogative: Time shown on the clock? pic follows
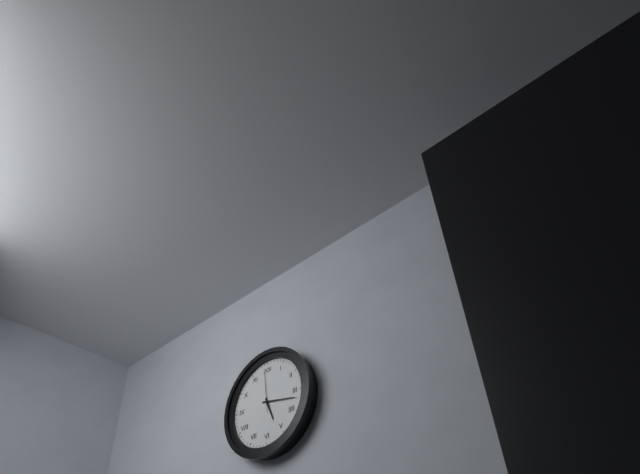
5:17
